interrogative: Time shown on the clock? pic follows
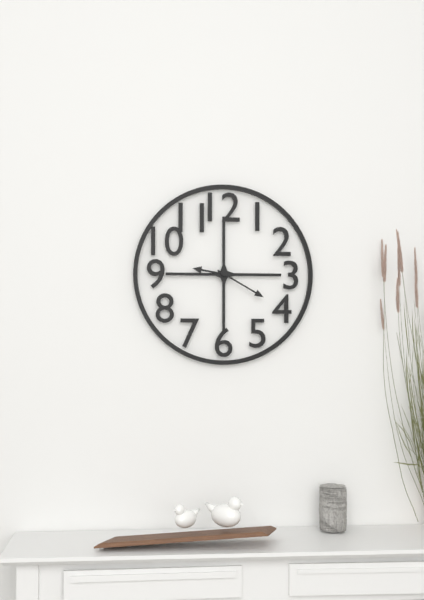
9:20
